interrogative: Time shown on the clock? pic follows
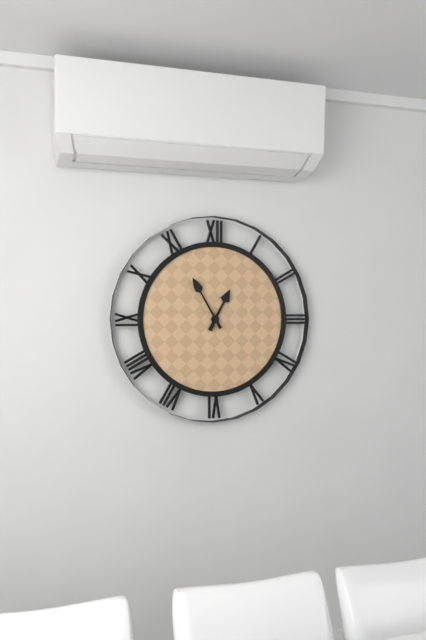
12:55
